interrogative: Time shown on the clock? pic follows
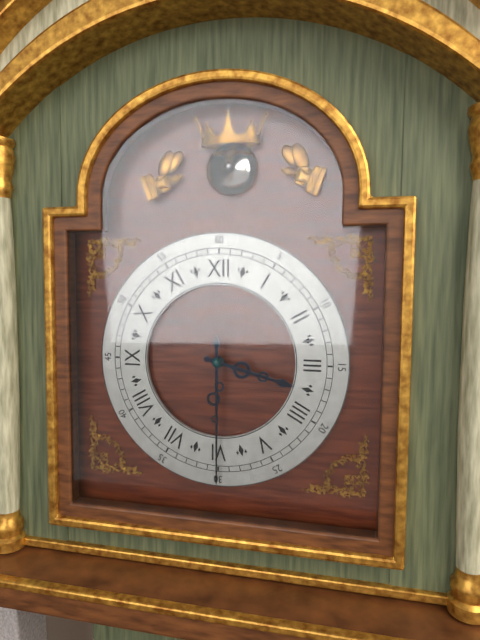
3:30
